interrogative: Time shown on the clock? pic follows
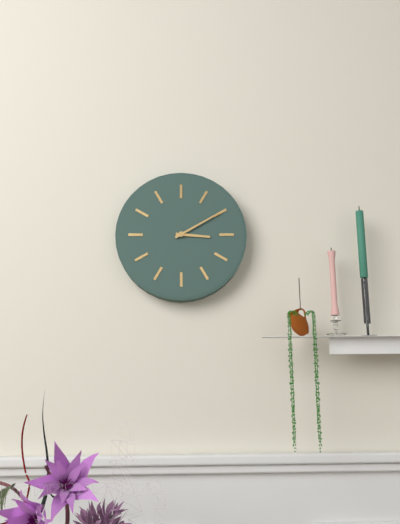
3:10
